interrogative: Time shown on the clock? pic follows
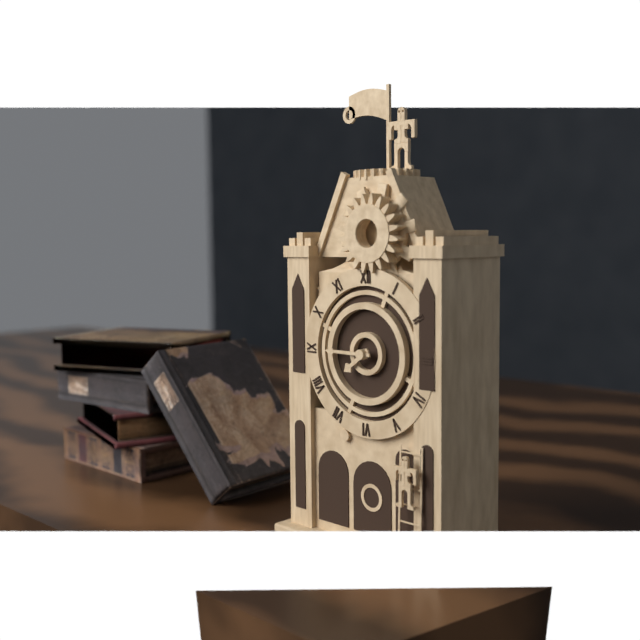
7:45
